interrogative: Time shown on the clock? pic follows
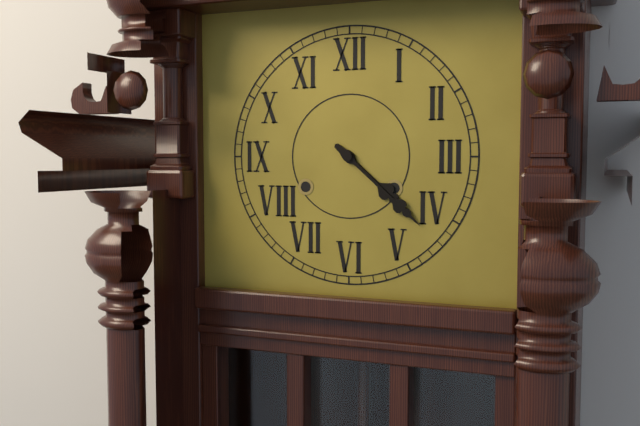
4:22
